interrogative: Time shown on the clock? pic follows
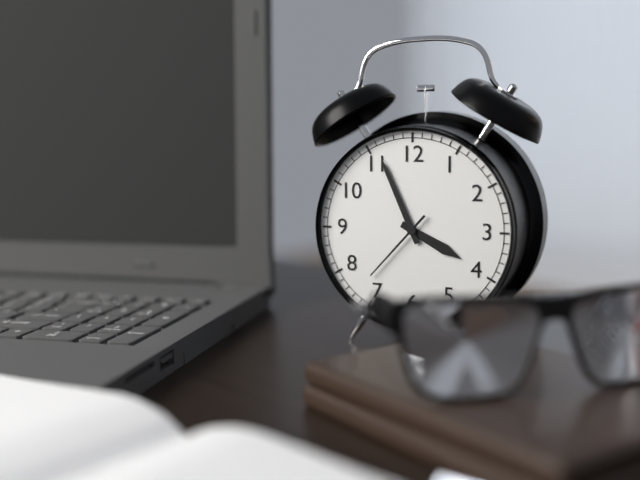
3:56:37
